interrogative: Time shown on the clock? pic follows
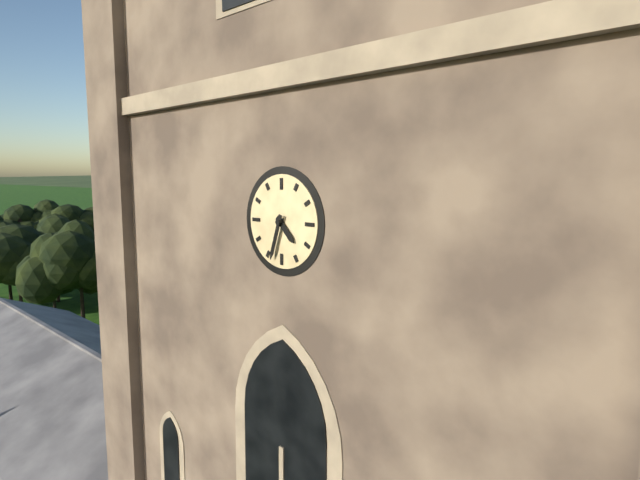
4:33
